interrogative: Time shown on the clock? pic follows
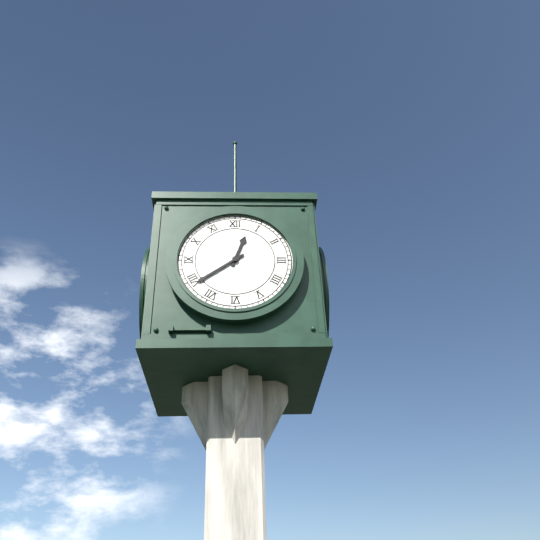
12:39
